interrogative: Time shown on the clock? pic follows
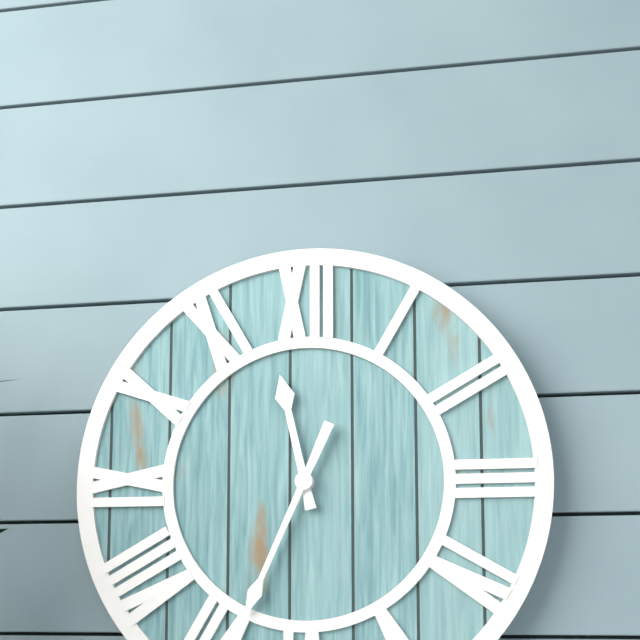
11:34
